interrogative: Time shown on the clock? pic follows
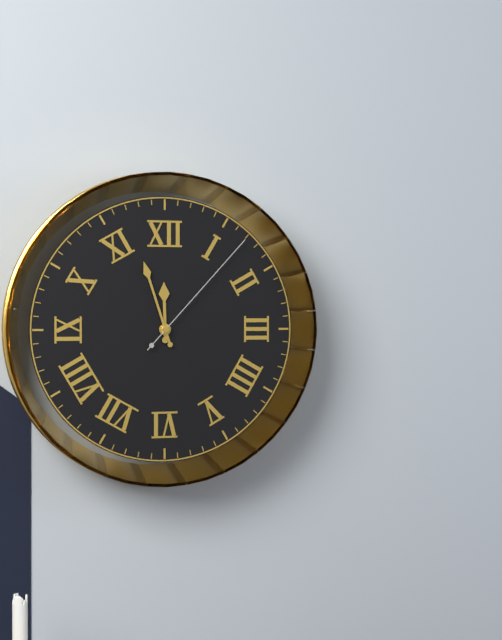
11:57:07
